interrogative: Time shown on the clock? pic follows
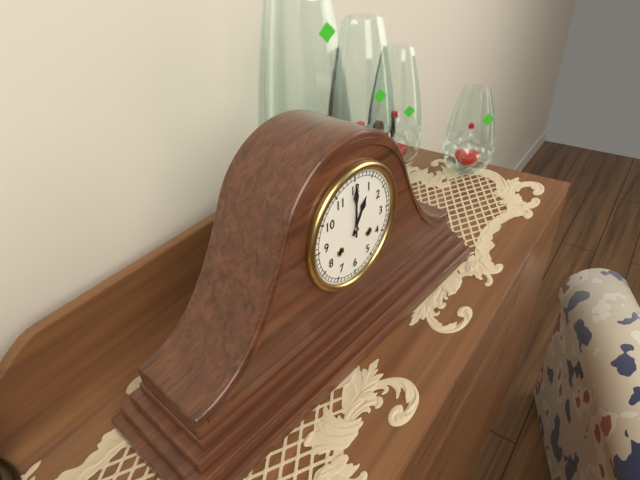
1:00
